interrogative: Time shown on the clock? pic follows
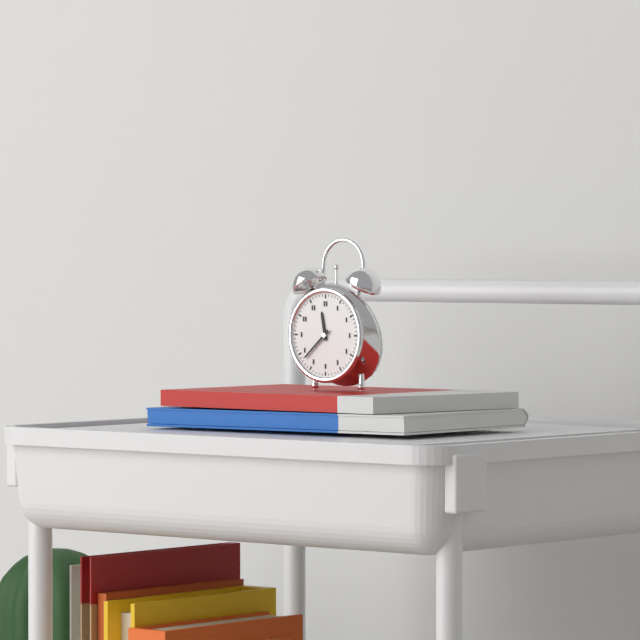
11:38
